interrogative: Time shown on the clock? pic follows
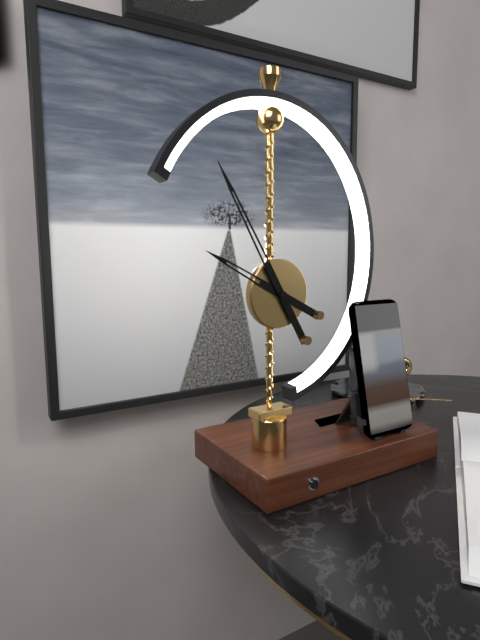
9:55
